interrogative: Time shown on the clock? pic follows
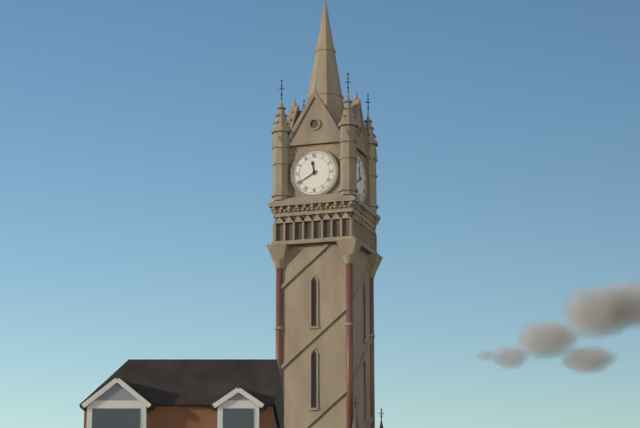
11:40
